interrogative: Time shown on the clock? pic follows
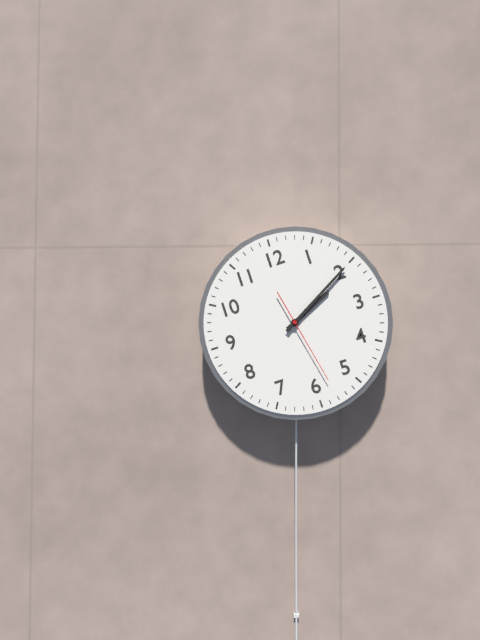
2:10:28
